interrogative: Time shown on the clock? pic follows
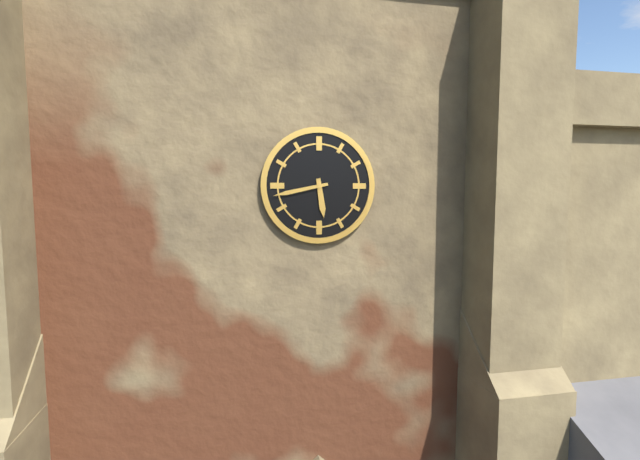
5:43
